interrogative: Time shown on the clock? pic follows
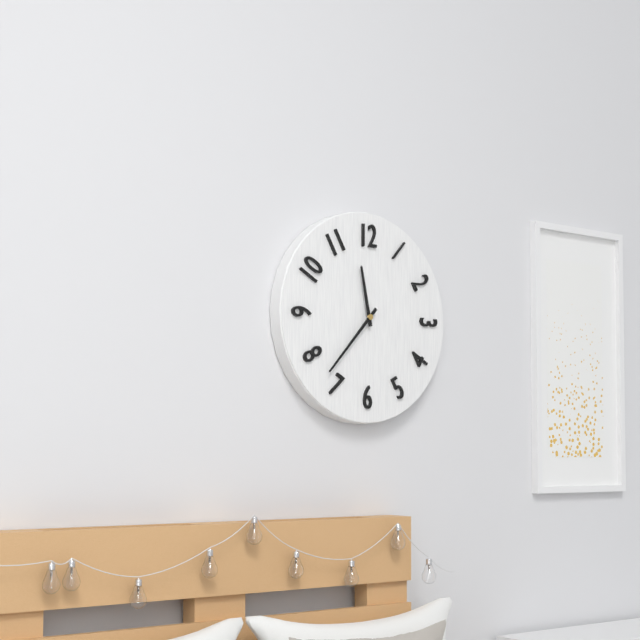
11:37
